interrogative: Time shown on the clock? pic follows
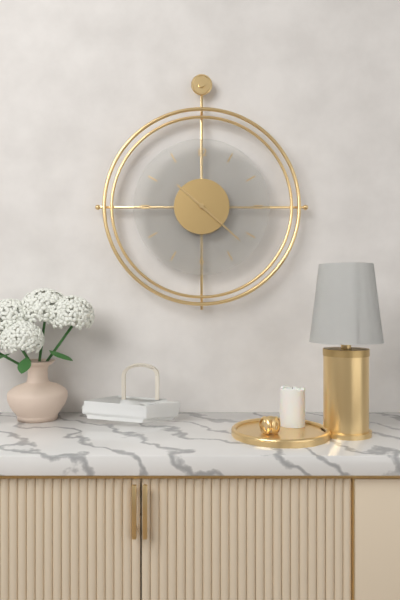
10:22
